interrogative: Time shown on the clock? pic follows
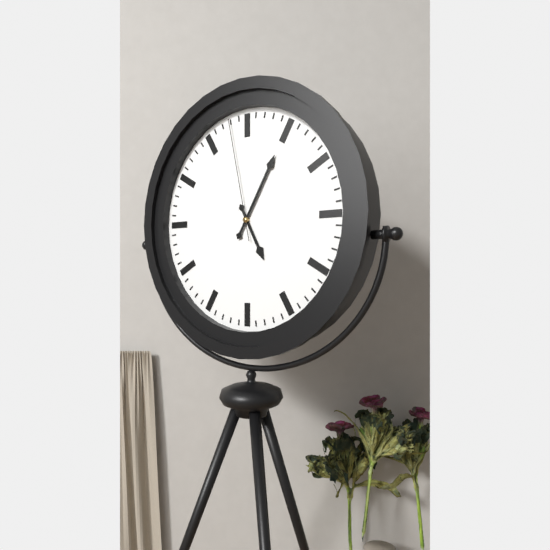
5:05:58
